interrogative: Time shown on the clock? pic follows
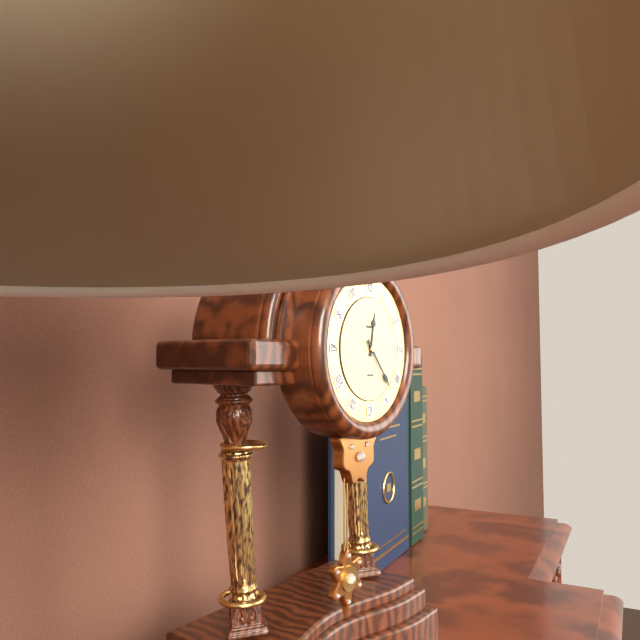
12:23
